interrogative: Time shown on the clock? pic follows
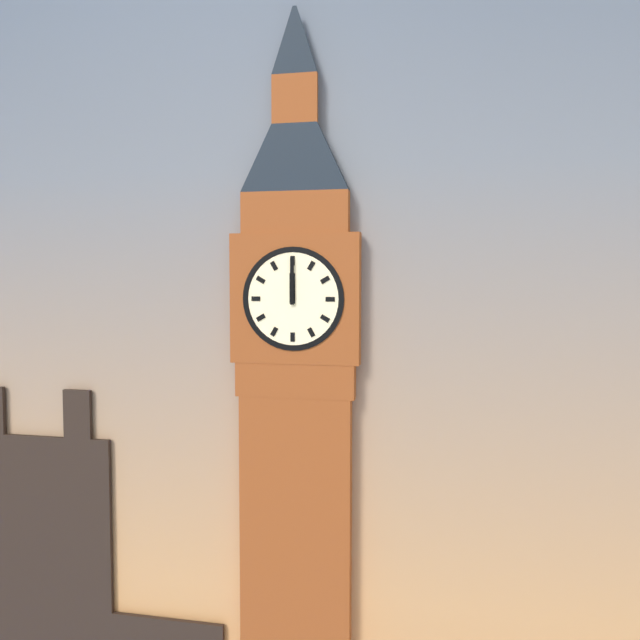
12:00
